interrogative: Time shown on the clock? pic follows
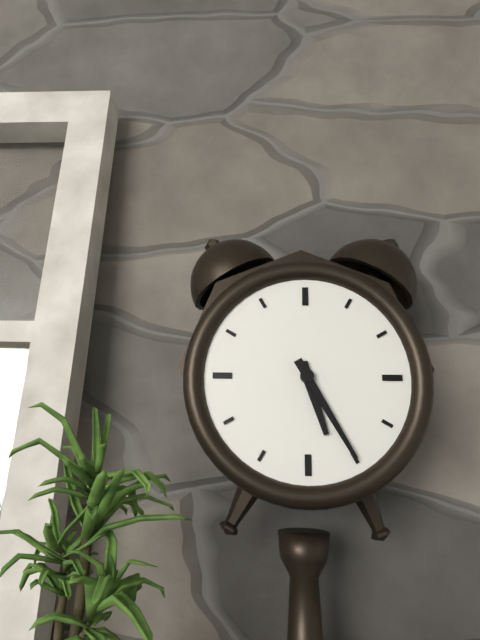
5:25
